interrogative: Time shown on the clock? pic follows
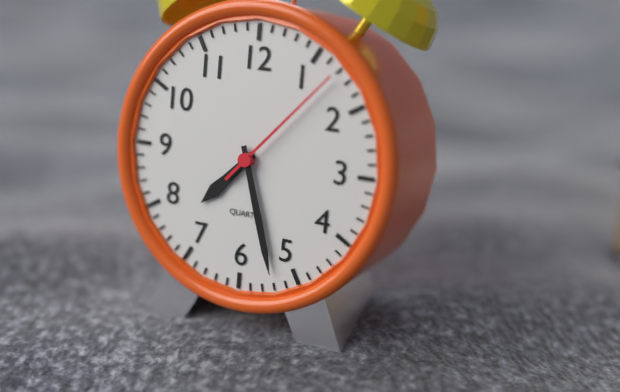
7:27:07
